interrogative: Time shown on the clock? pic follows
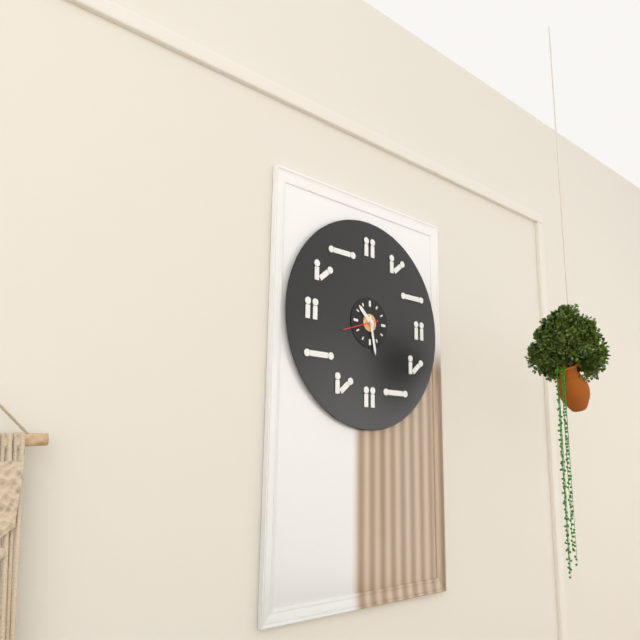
10:28
